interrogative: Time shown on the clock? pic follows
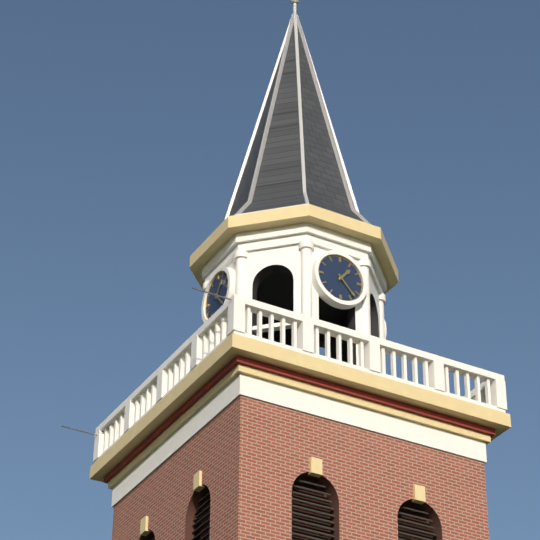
1:23
